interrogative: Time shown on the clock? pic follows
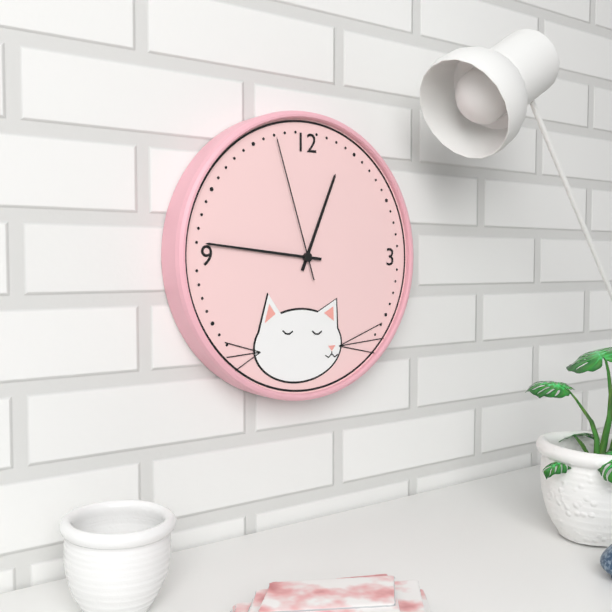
12:46:57
